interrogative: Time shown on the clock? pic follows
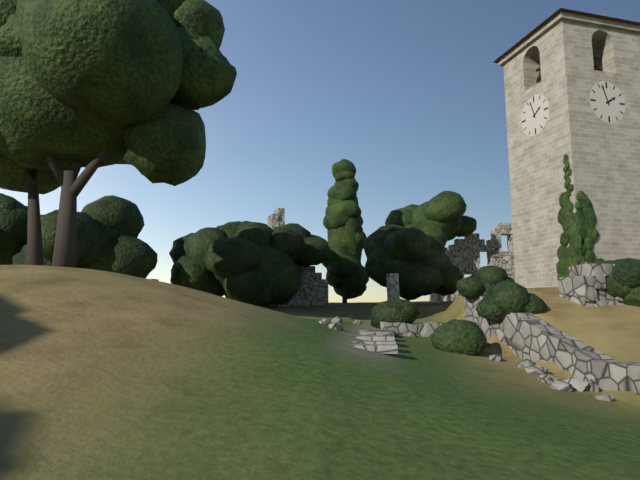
1:57
